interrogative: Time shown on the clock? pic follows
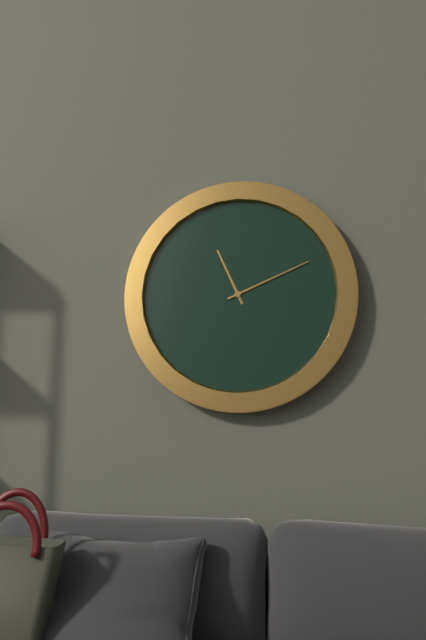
11:11
